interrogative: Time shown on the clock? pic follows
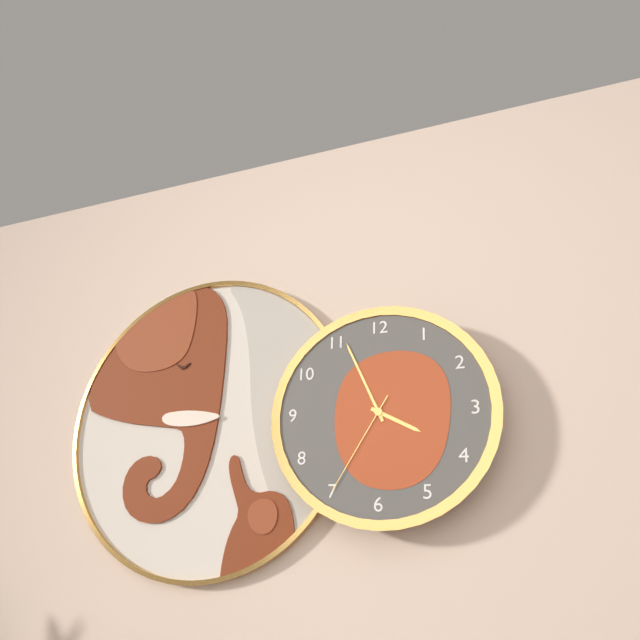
3:56:35
